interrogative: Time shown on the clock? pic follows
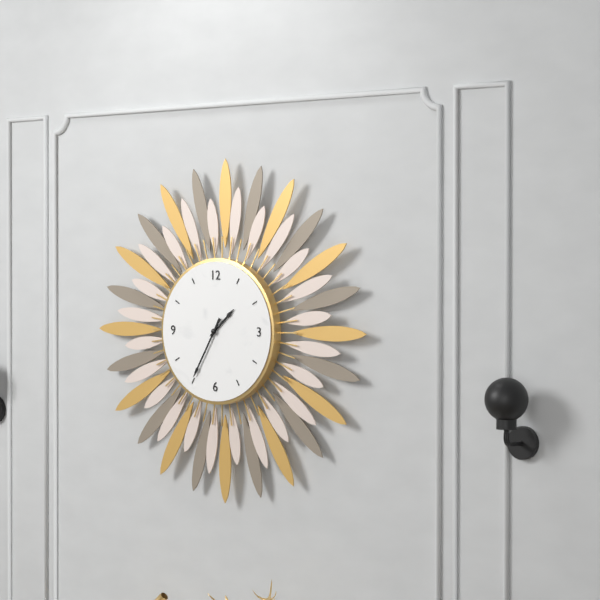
1:35
